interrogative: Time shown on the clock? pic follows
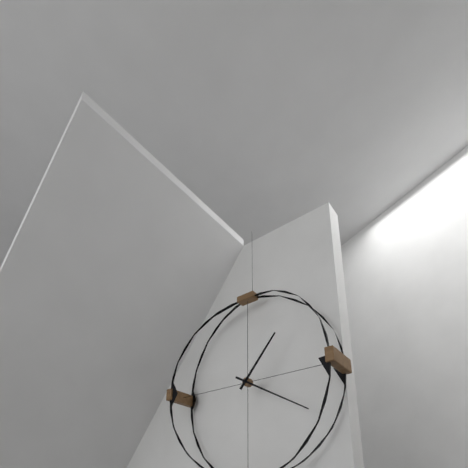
1:20
